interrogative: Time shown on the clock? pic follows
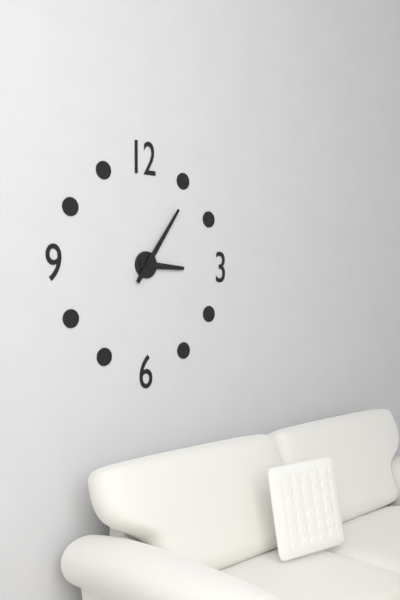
3:06
